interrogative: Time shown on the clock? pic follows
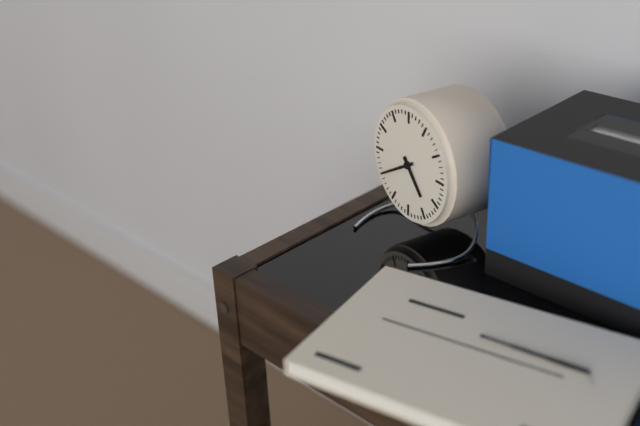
4:40
